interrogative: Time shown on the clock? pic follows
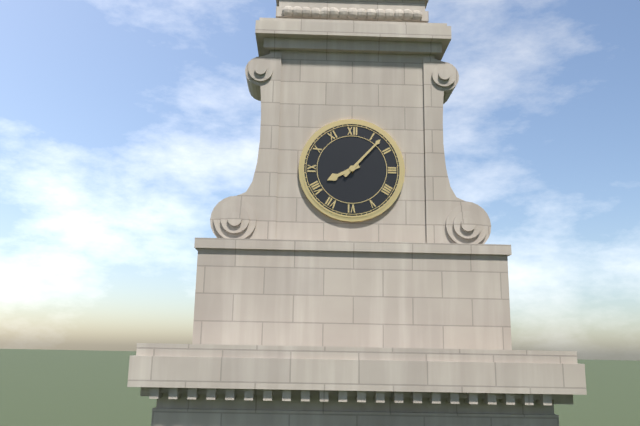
8:07
